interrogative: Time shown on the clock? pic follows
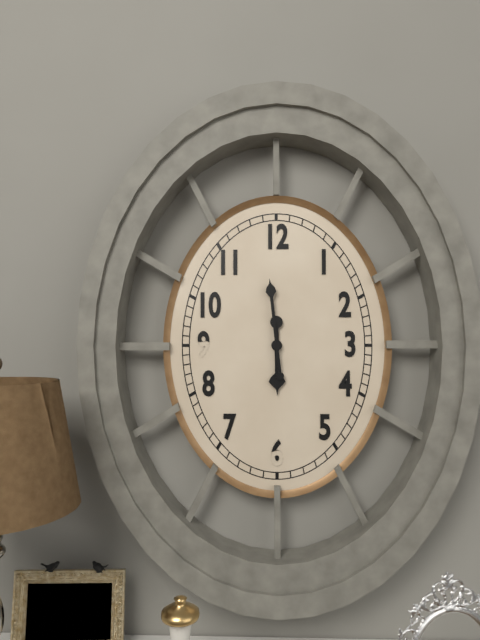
5:59
